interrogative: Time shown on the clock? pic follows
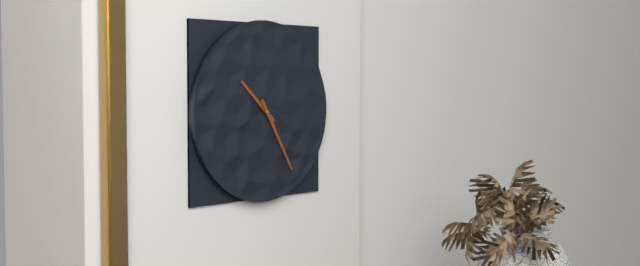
10:25
